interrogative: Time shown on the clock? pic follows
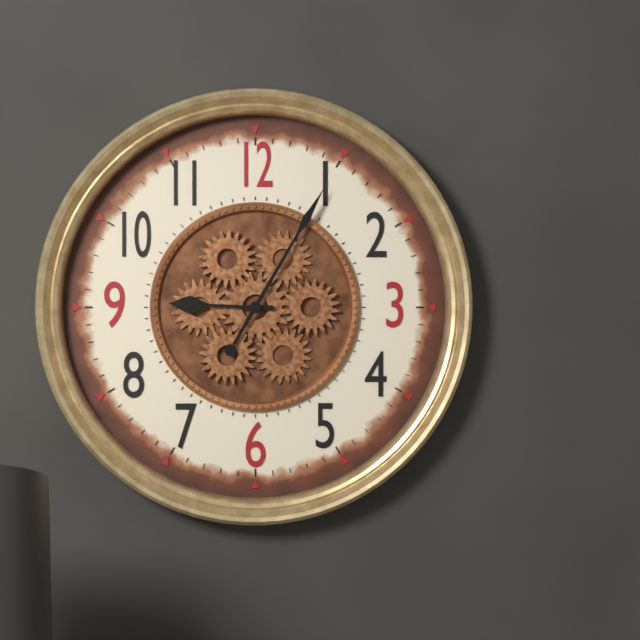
9:05
